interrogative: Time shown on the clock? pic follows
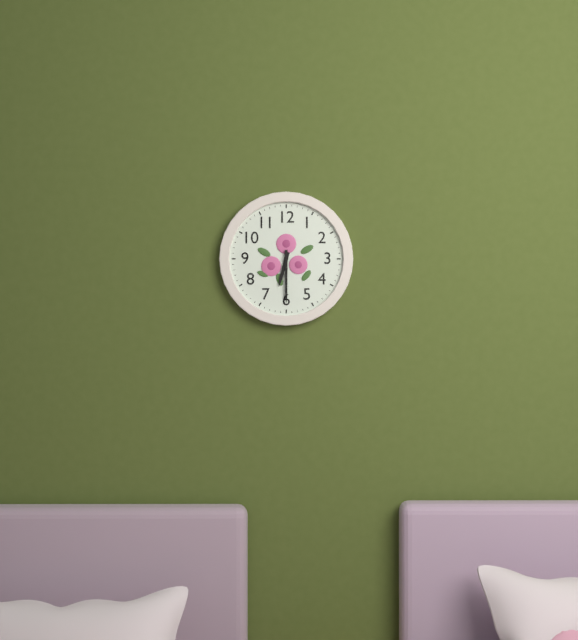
6:30
